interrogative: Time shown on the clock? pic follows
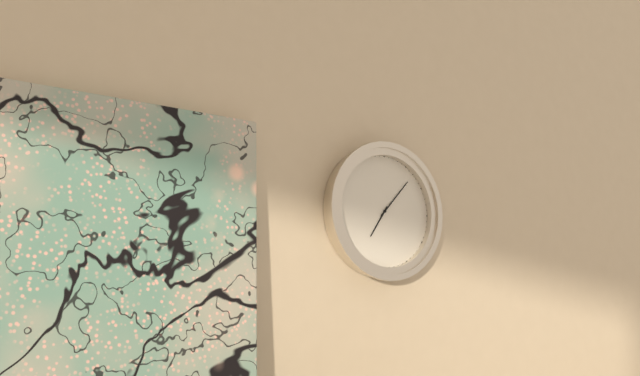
7:07
